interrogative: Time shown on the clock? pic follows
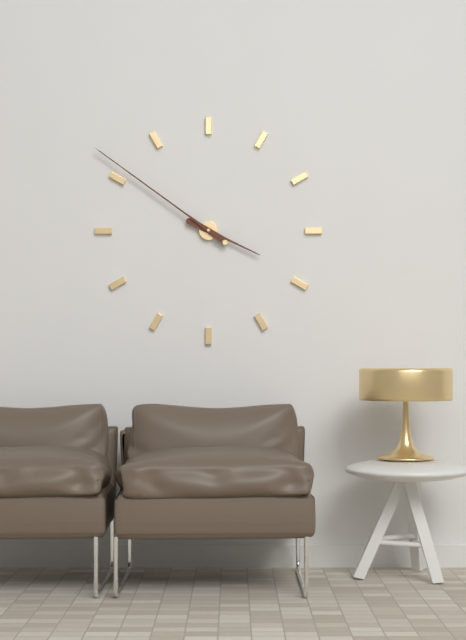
3:51
